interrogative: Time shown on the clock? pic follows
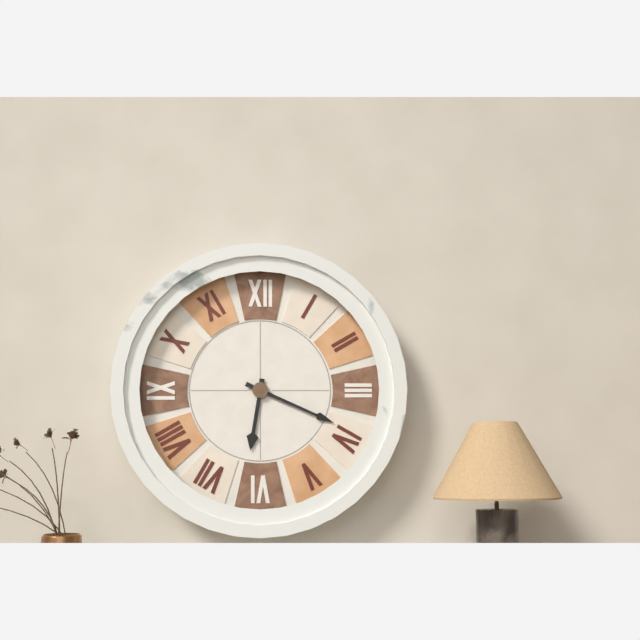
6:19
